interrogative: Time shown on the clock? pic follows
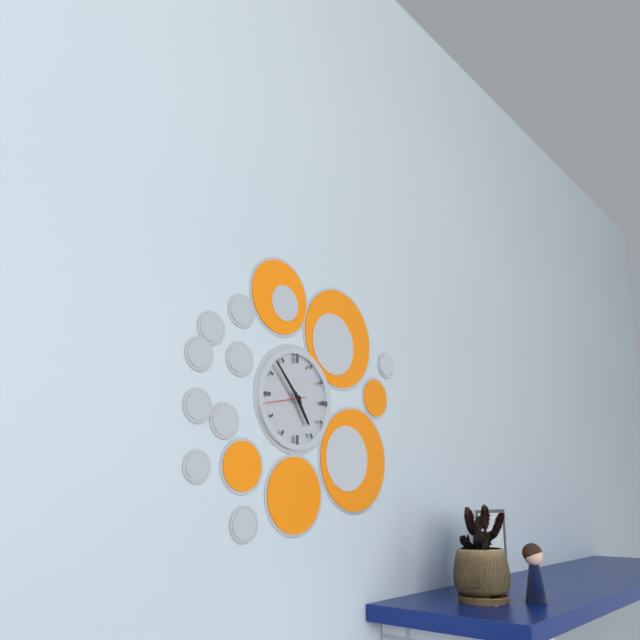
4:53
